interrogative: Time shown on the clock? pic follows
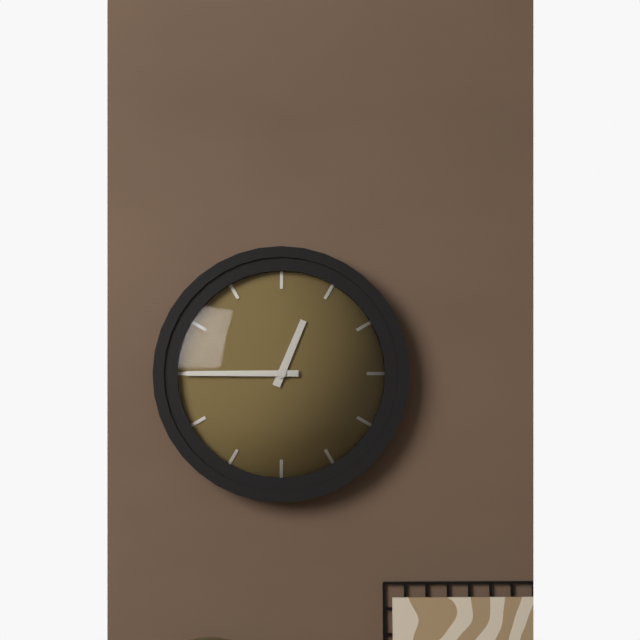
12:45
